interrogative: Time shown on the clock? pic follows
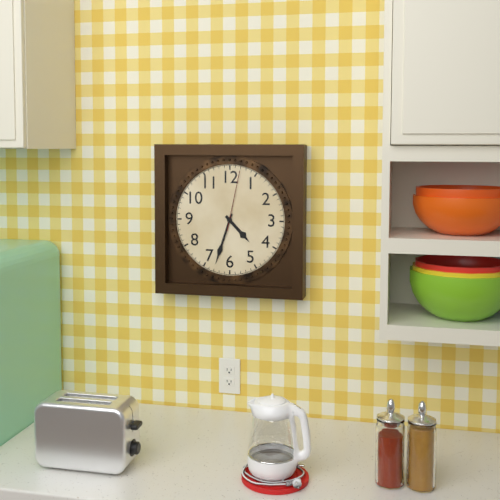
4:33:02
